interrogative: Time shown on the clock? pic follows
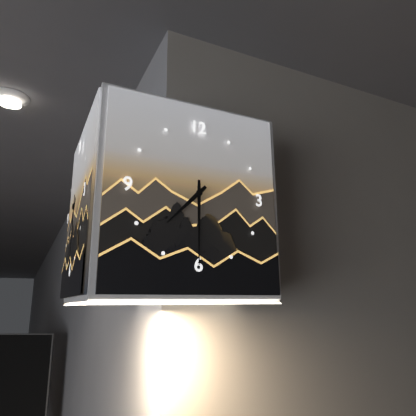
7:30
